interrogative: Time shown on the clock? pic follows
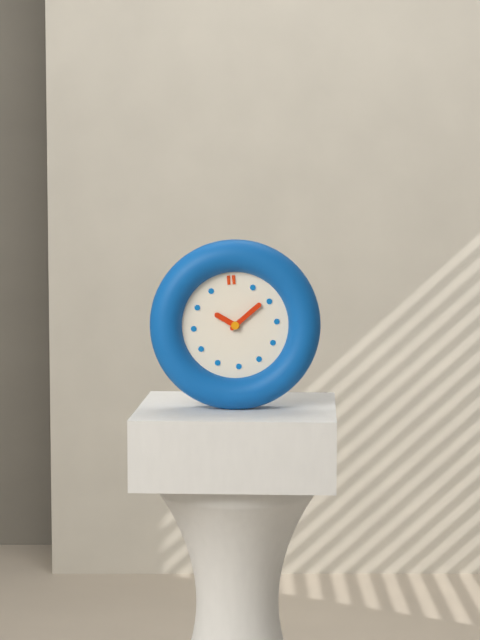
10:09
